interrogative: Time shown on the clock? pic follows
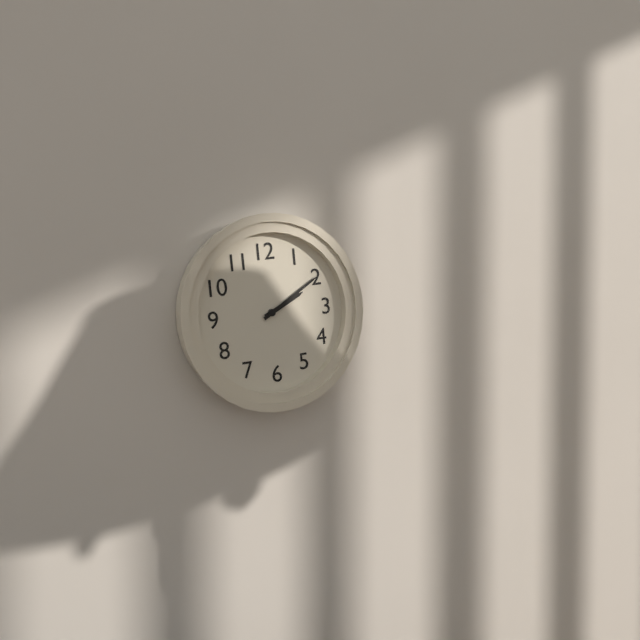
2:10
